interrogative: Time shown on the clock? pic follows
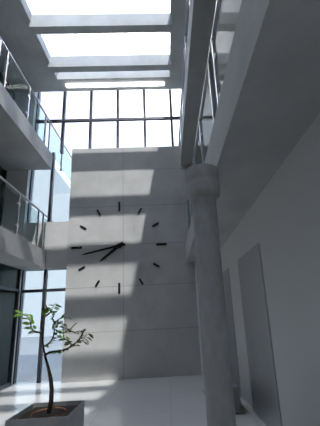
7:43
